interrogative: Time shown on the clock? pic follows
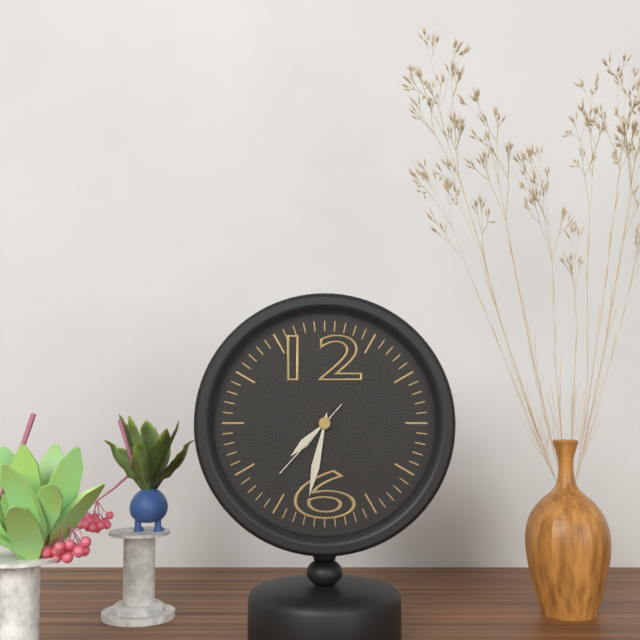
7:32:37
